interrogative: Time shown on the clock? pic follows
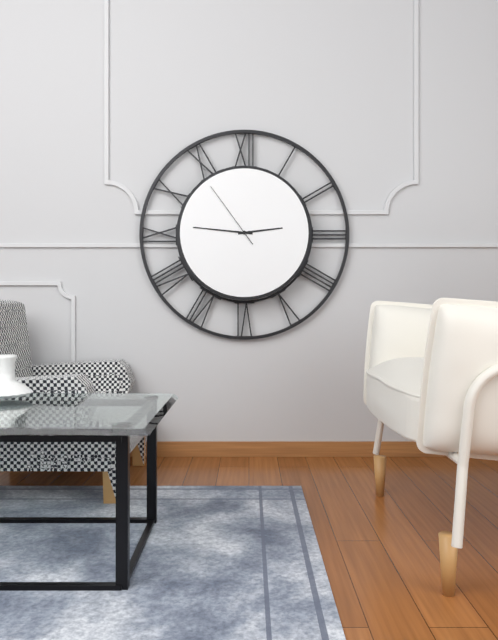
2:46:54
